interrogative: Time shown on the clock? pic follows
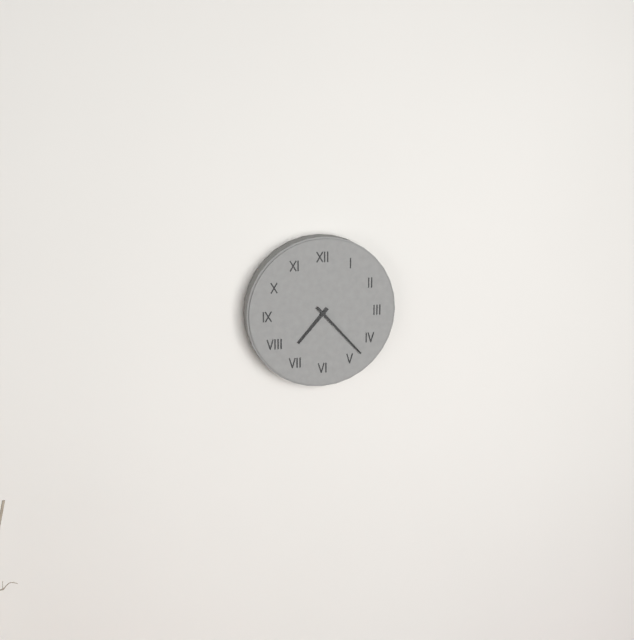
7:23
